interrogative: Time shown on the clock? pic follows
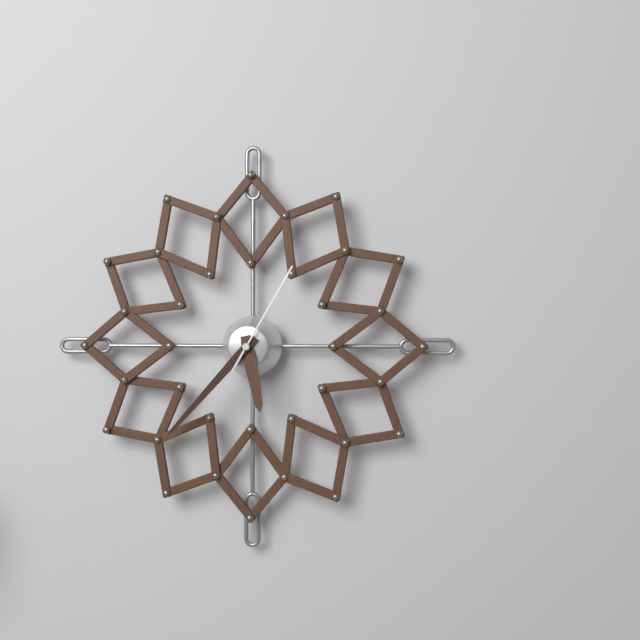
5:37:05
